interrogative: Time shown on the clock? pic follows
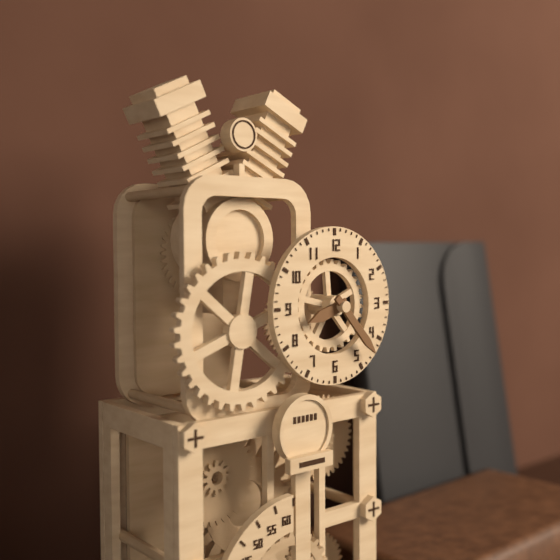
8:23
